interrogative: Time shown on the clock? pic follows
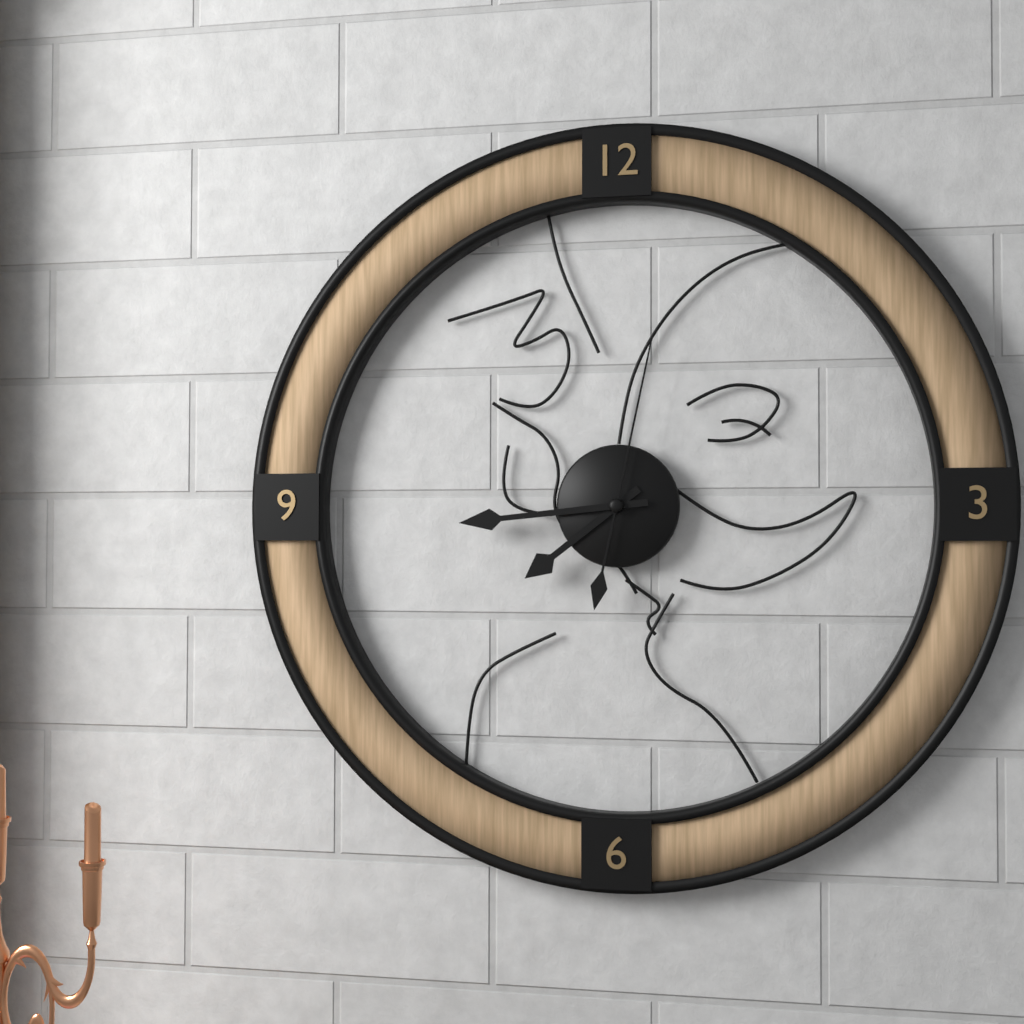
7:44:02
